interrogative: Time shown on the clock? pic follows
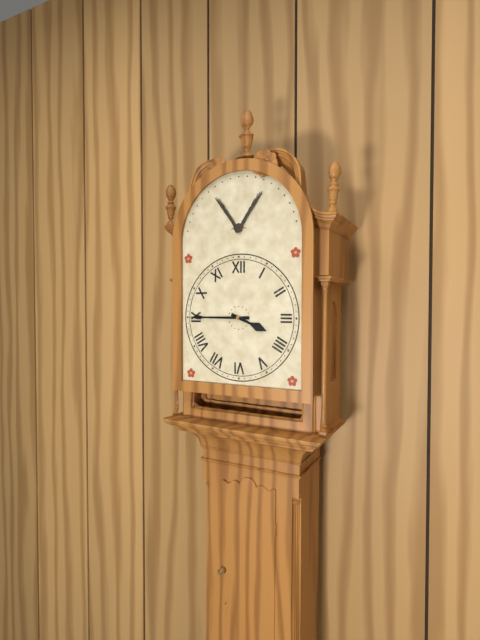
3:45
